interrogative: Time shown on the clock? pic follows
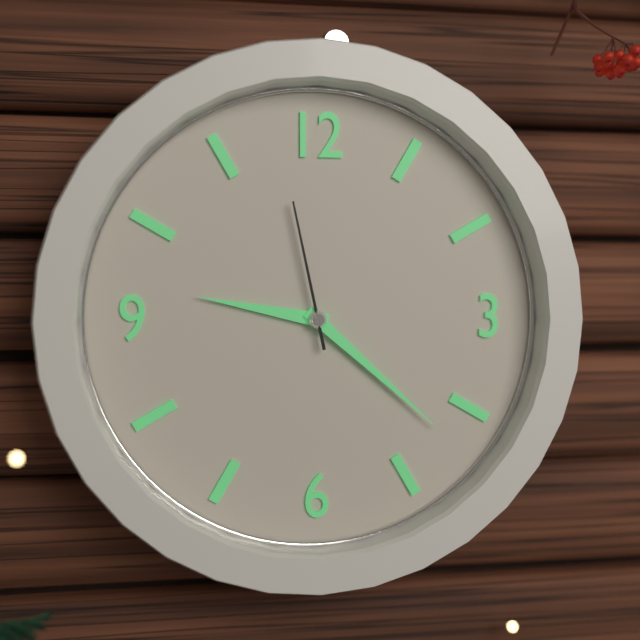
9:22:58
